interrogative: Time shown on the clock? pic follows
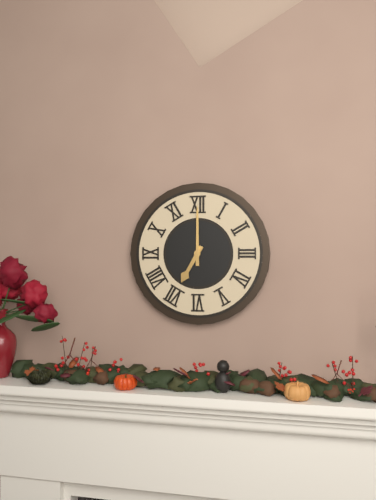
7:00
